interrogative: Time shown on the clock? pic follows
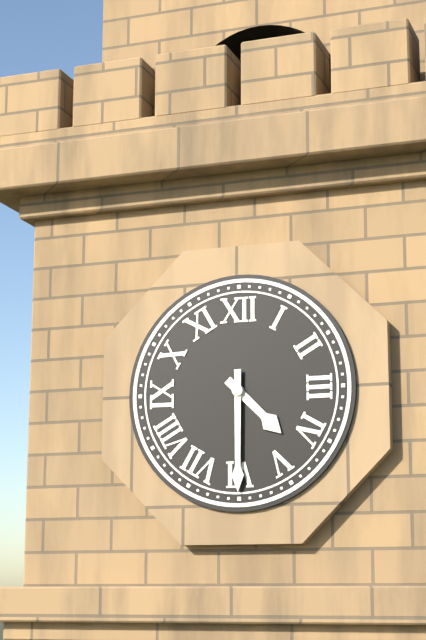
4:30
